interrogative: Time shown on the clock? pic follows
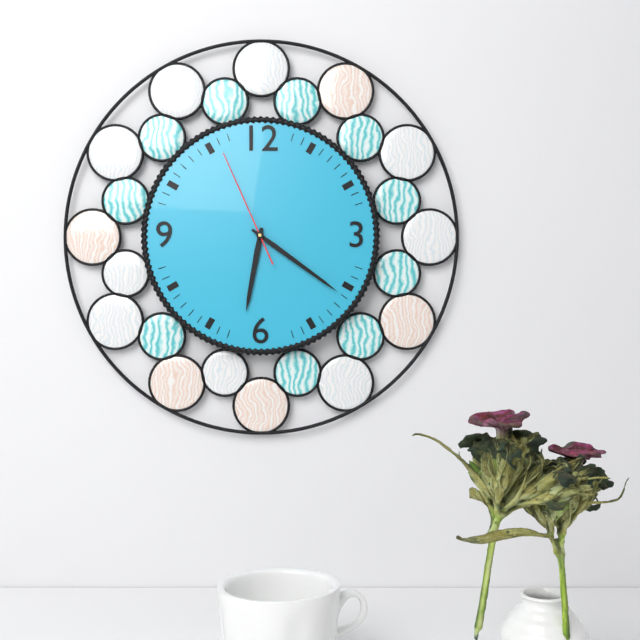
6:21:56
